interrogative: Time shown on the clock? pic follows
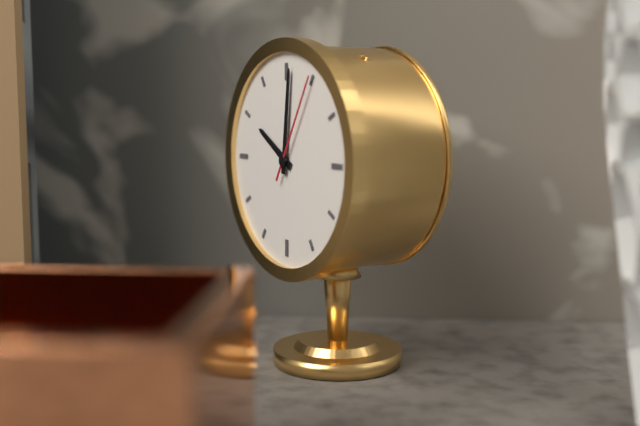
10:01:05
